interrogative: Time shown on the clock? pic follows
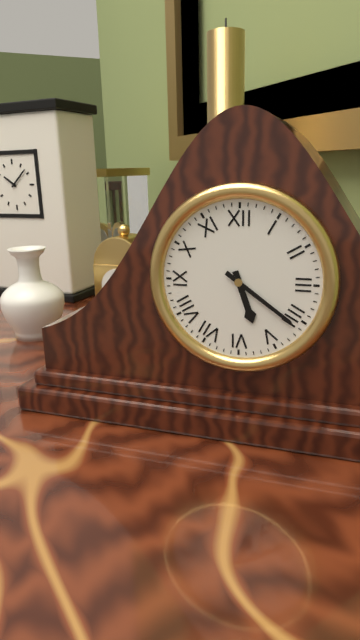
5:21
